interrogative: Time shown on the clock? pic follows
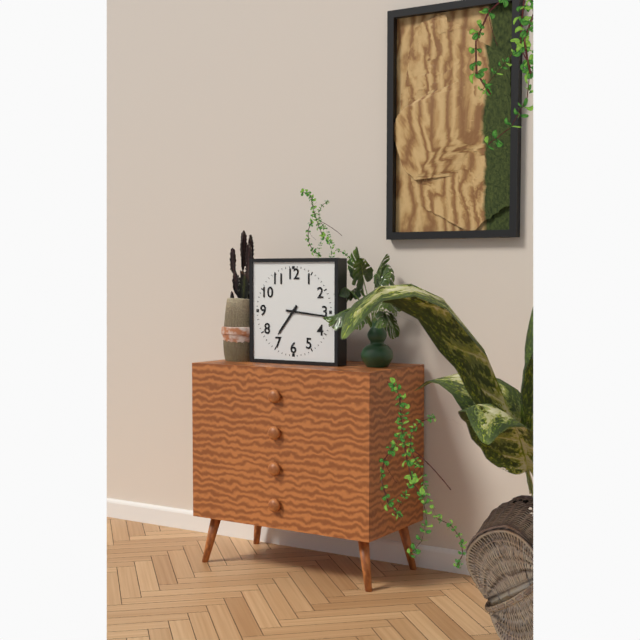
7:16
